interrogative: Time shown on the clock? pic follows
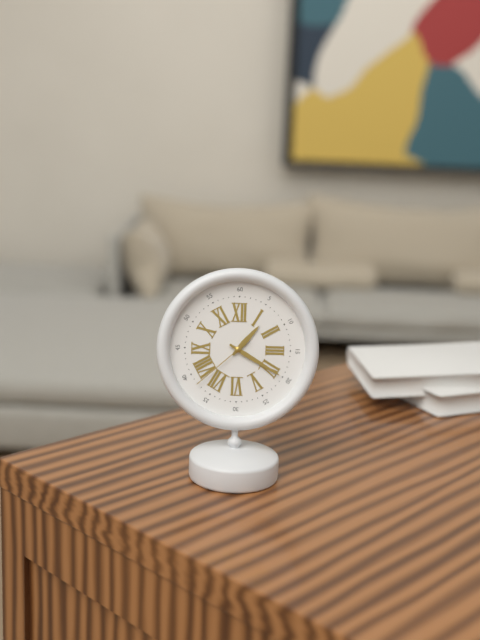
1:20:38
